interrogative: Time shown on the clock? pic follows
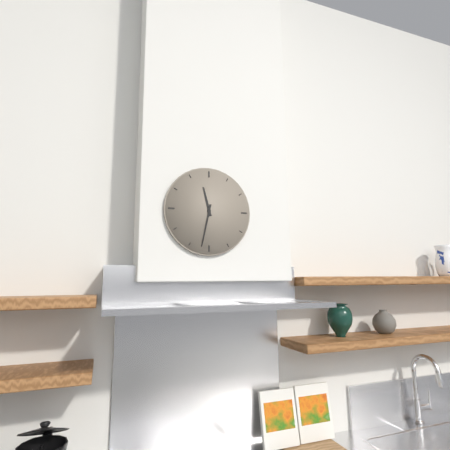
11:32
